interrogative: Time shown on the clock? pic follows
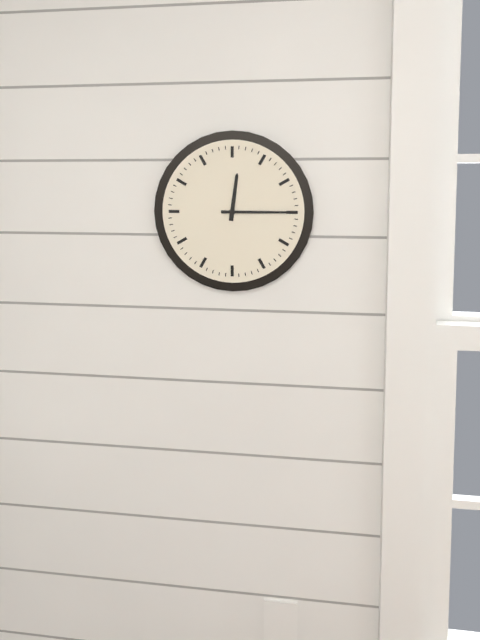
12:15
